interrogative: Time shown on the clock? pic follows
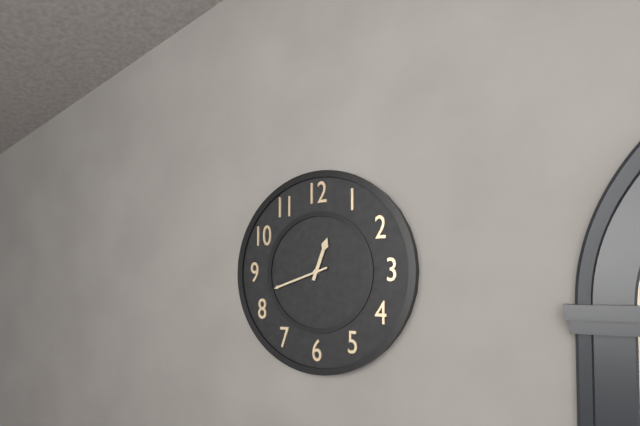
12:42
